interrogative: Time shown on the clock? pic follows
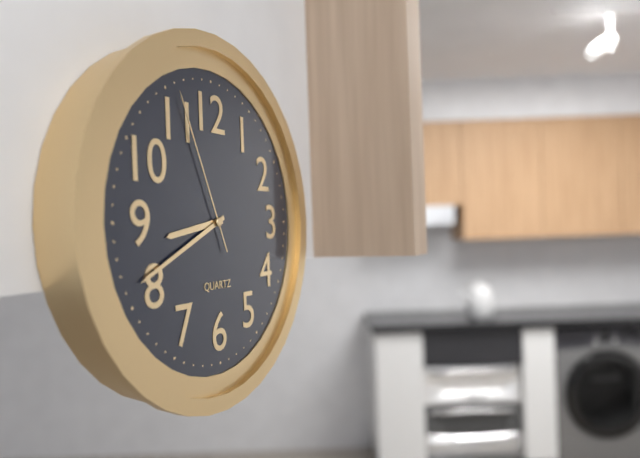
8:41:56
